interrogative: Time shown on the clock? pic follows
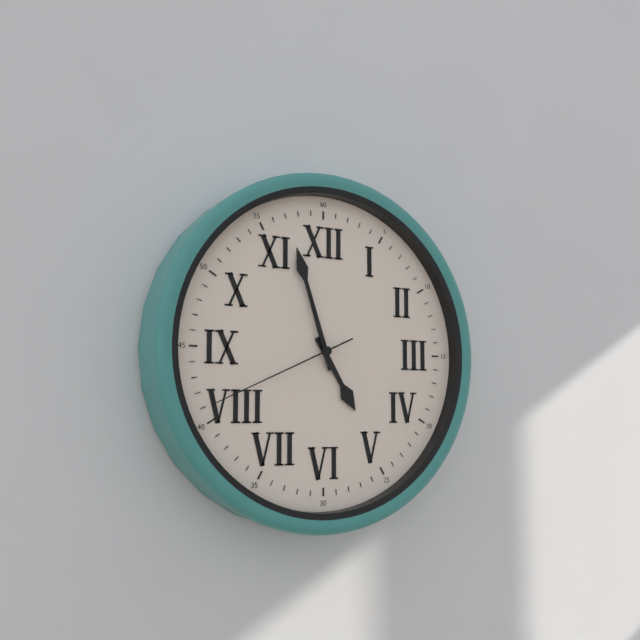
4:57:41
